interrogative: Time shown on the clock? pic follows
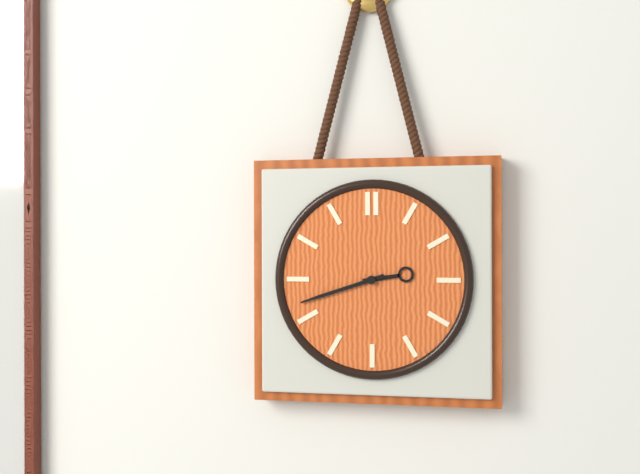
2:42
